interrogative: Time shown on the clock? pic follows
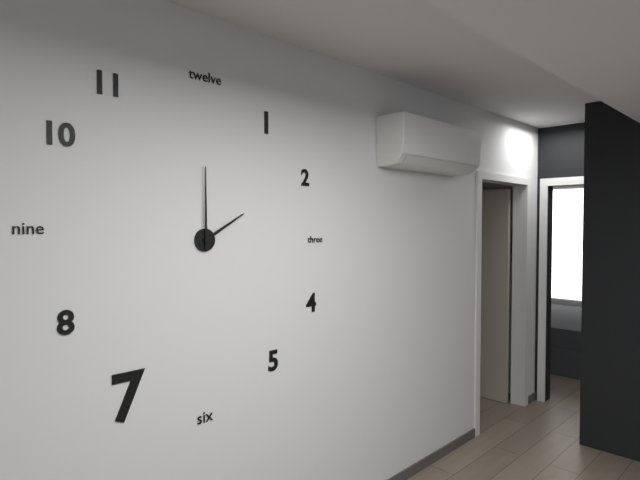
2:00
